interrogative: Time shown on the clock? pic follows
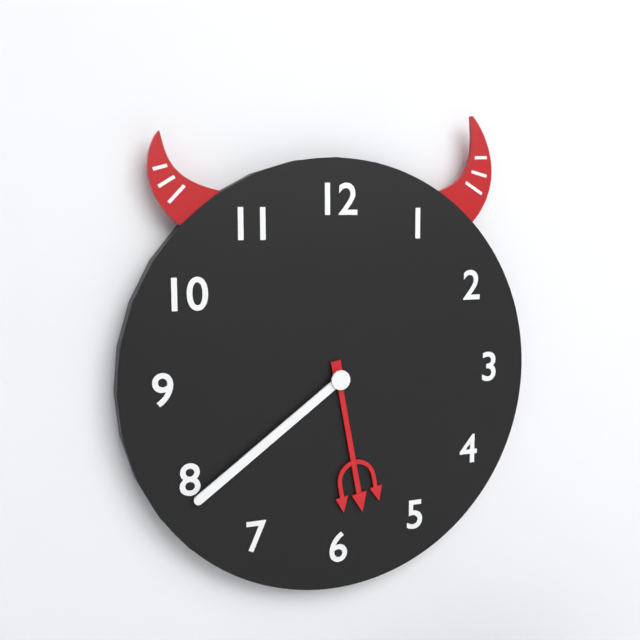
5:39
